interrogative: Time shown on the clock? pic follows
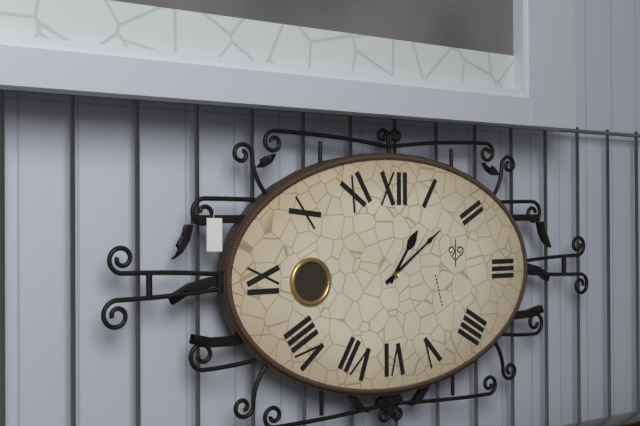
1:09
